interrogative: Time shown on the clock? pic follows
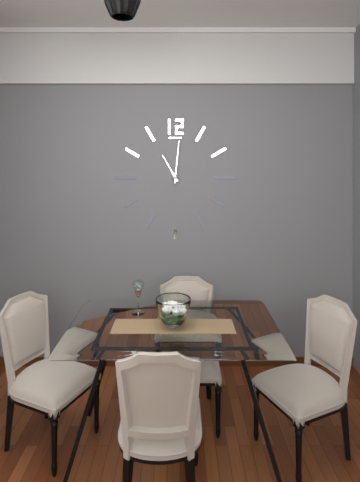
11:01
